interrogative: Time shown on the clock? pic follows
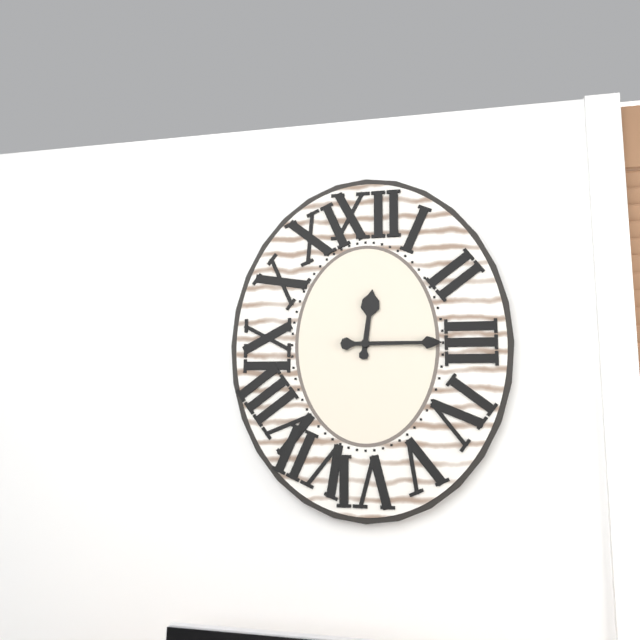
12:15
